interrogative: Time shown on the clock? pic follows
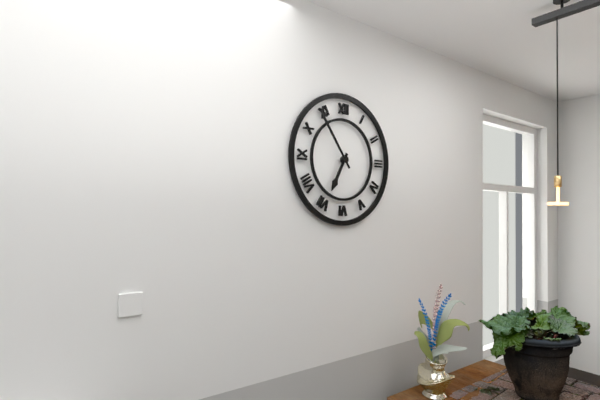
6:54
